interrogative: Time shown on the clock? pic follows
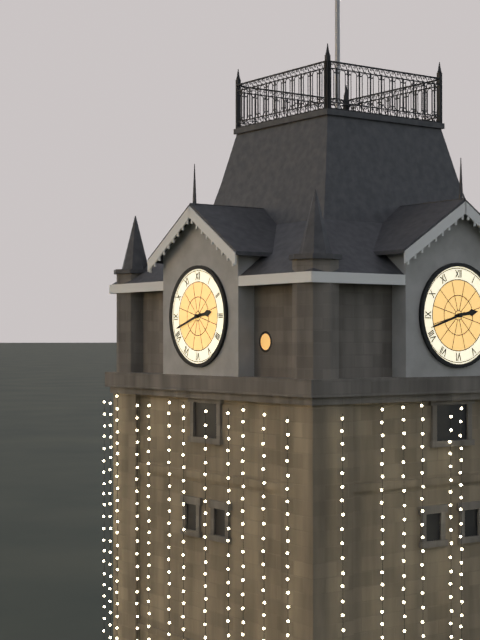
2:42
